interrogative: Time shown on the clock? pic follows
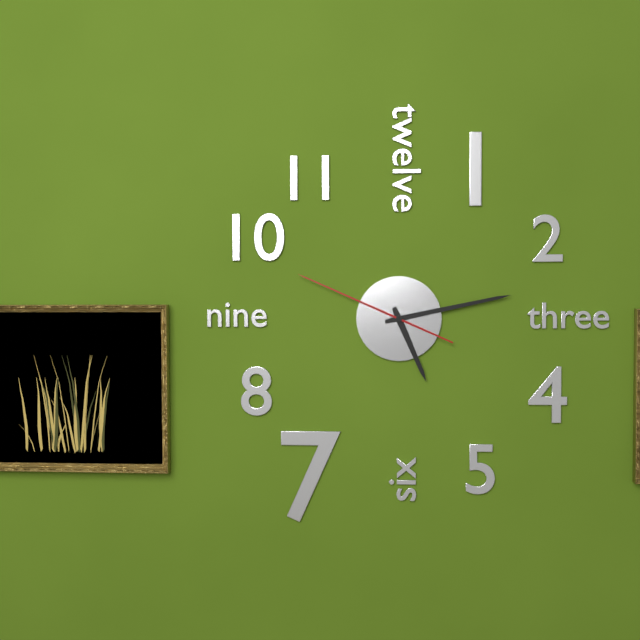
5:13:49
